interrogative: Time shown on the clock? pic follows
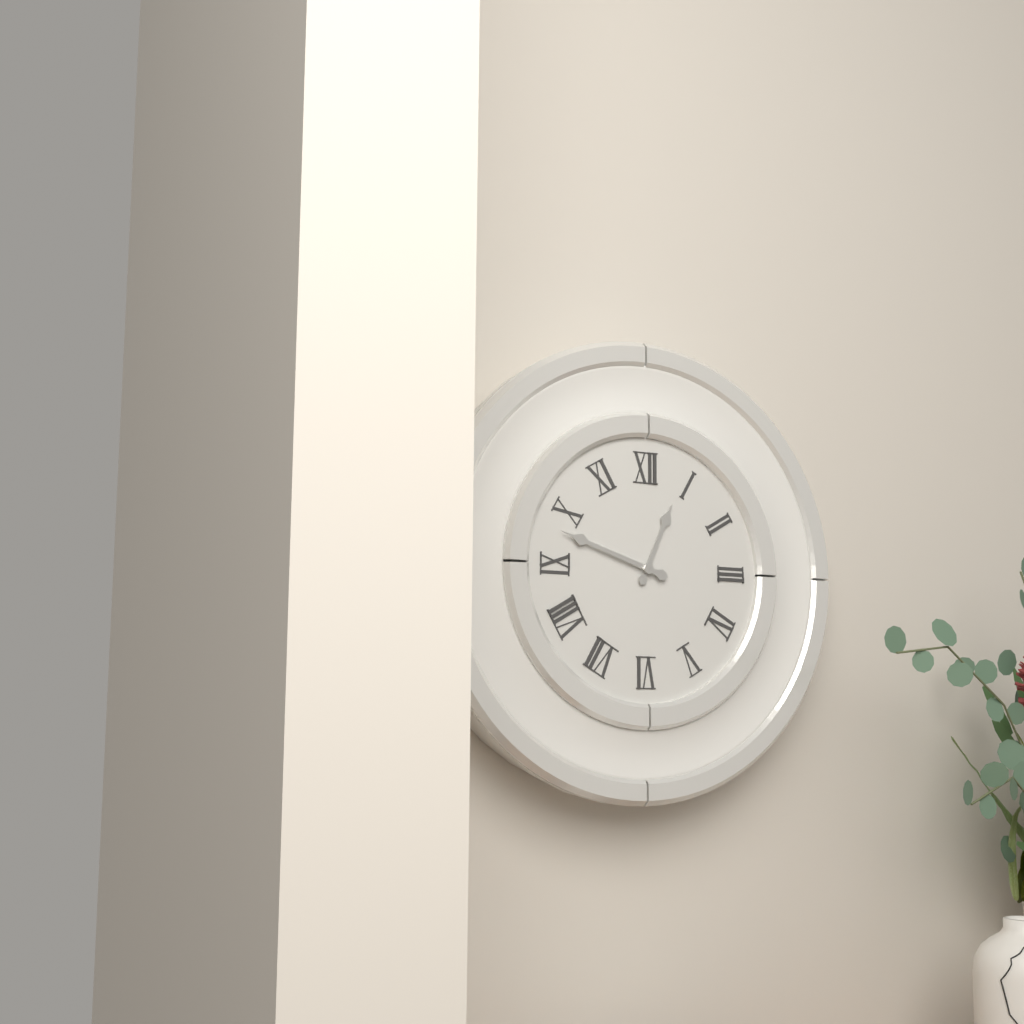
12:48
